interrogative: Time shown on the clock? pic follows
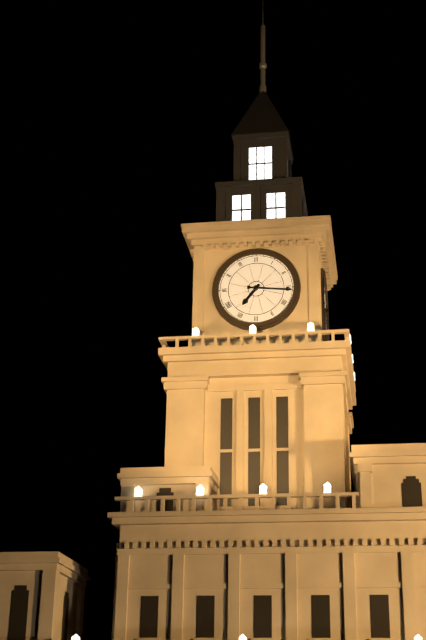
7:16
